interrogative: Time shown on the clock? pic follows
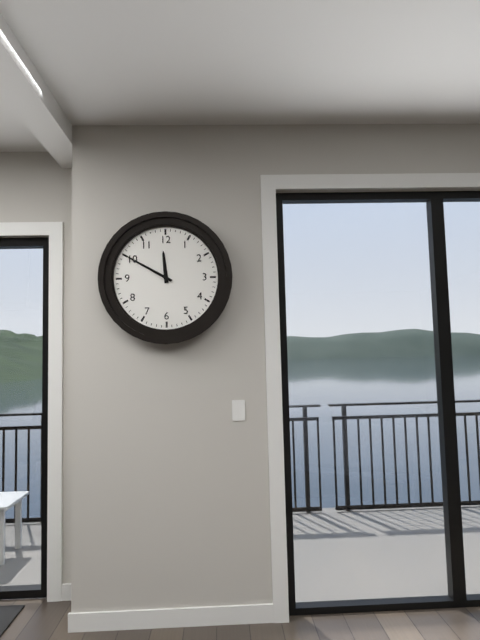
11:50
